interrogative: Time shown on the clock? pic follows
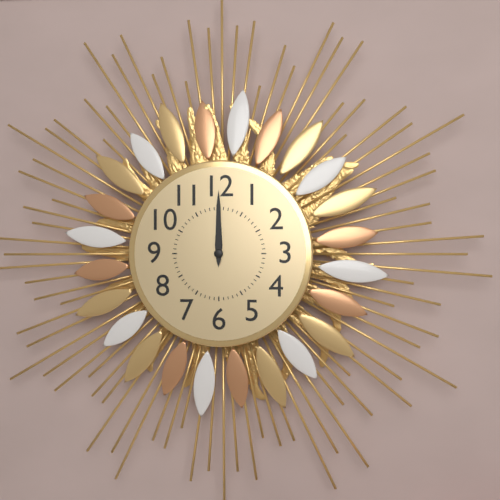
12:00
